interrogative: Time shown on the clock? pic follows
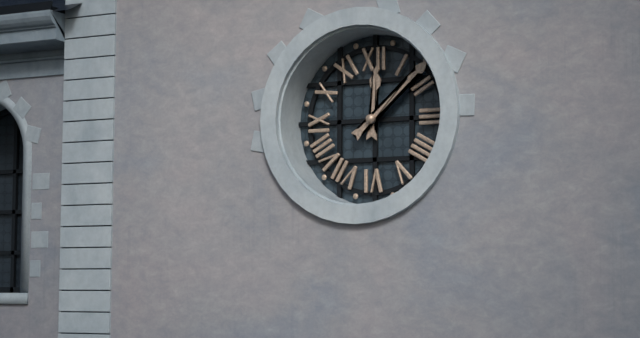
12:08
